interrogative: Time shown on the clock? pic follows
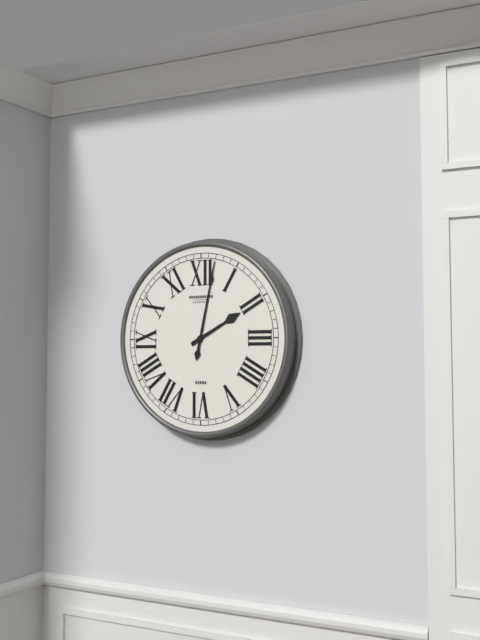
2:02
